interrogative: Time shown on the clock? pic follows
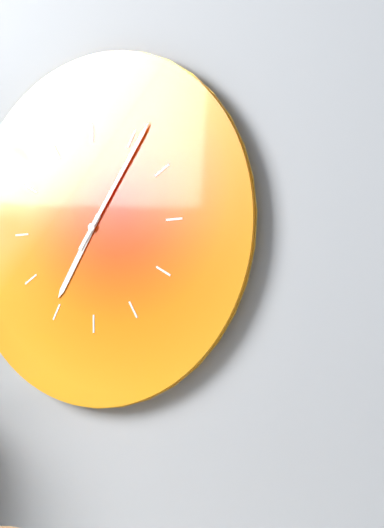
7:06
